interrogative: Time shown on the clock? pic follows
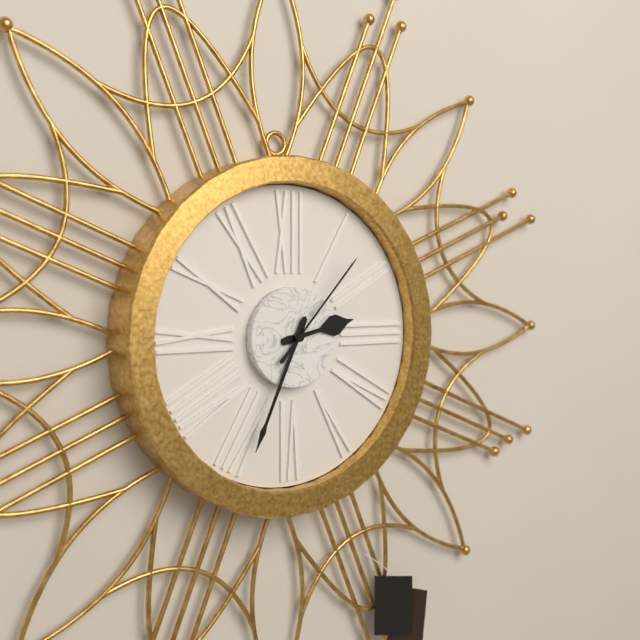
2:34:07
